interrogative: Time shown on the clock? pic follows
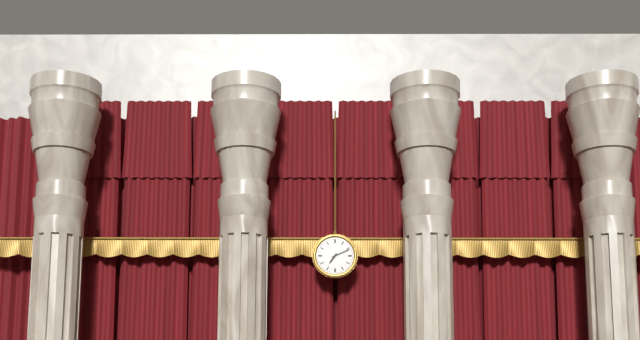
7:11
